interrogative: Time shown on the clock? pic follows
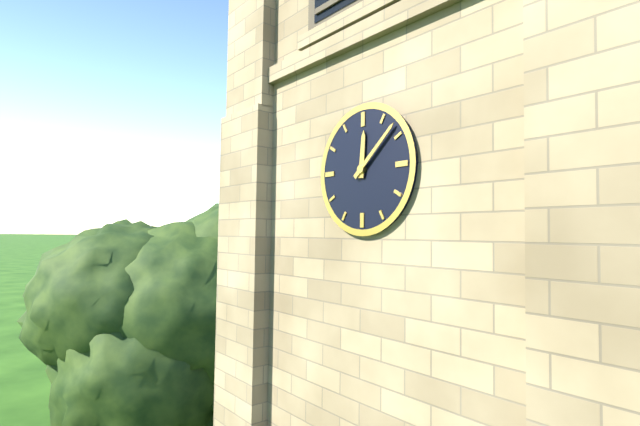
12:08
